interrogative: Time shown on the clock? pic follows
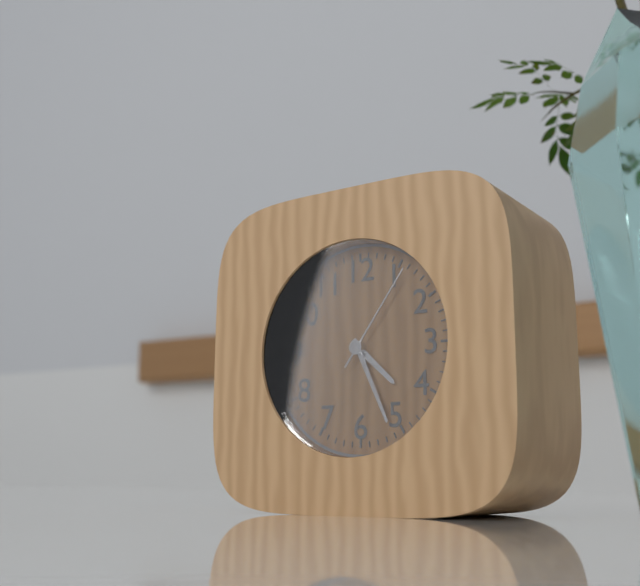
4:26:06
